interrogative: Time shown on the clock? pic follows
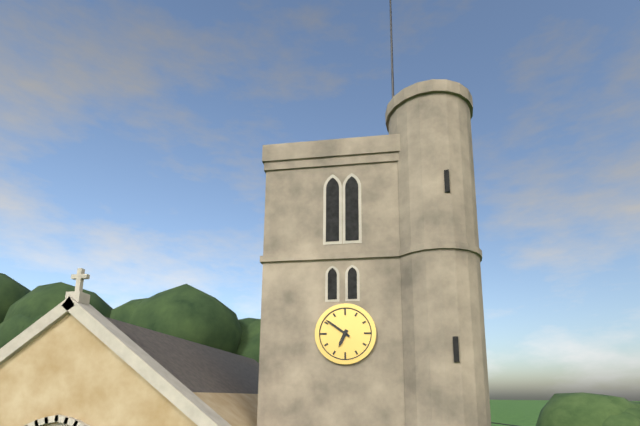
6:51
